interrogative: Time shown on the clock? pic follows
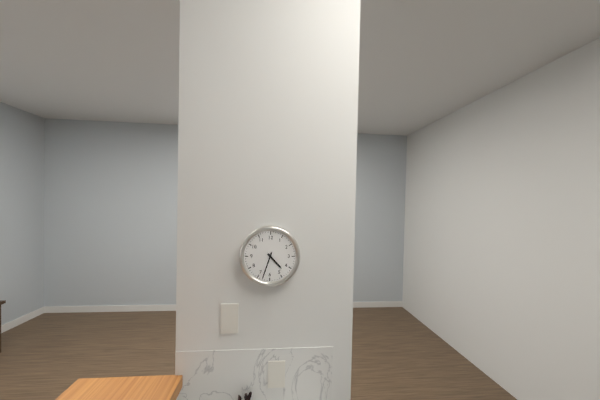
4:33
